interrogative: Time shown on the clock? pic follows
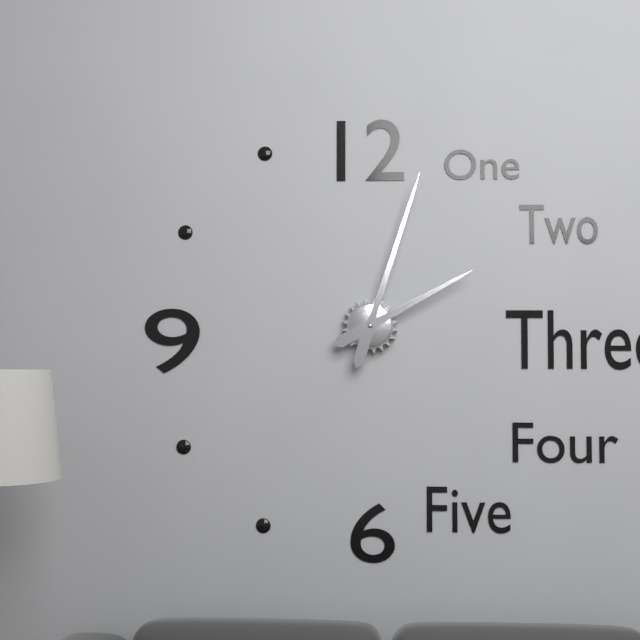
2:03
